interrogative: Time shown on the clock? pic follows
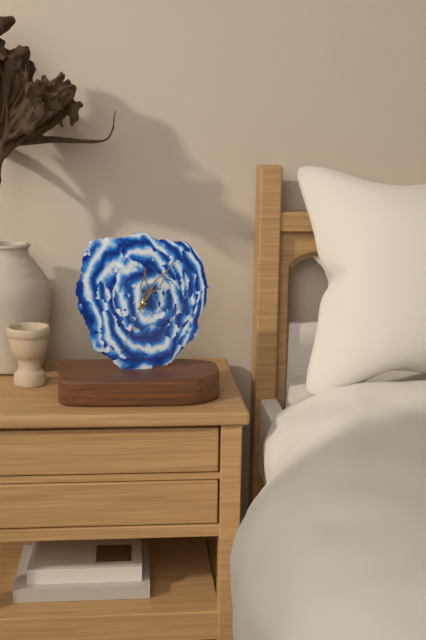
12:06:34
